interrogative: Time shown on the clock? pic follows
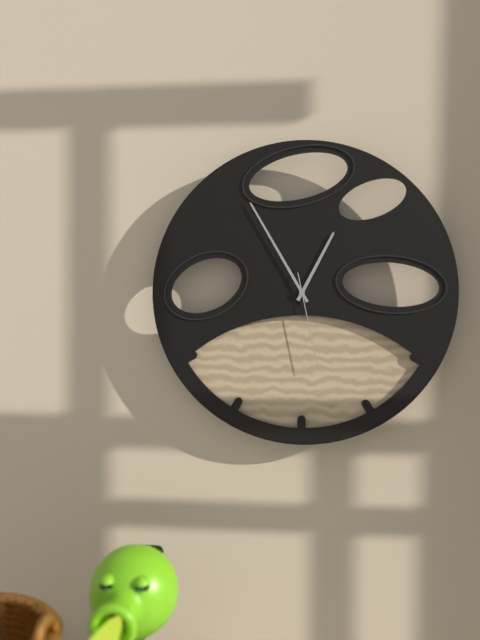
12:55:28
